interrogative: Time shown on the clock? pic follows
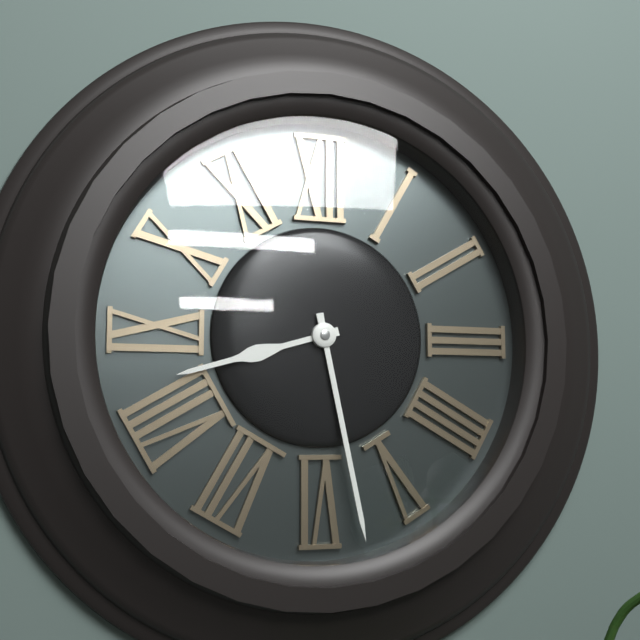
8:28
